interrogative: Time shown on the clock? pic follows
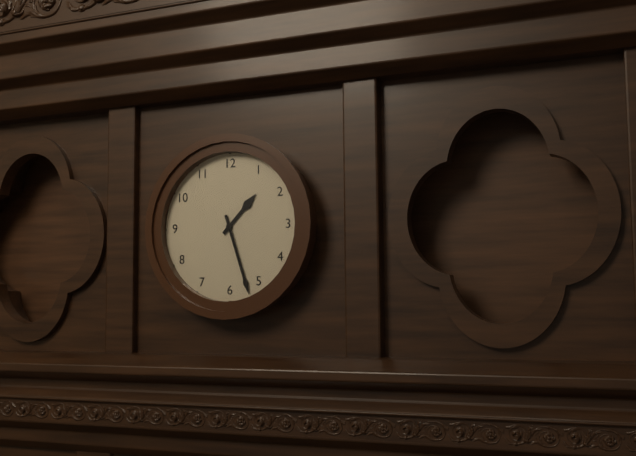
1:27
